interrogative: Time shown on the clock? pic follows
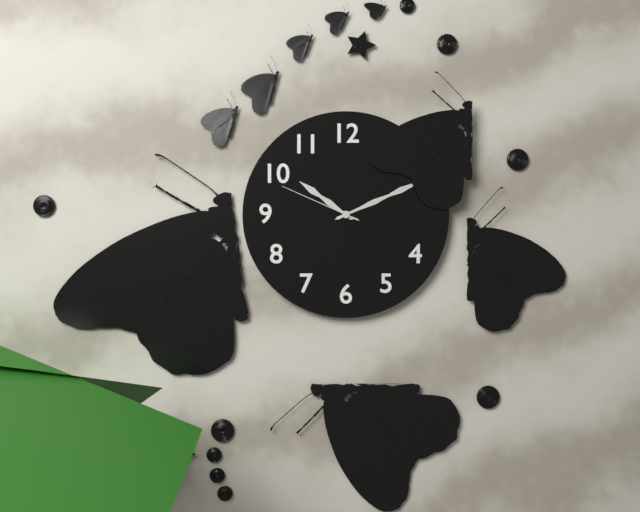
10:11:49
